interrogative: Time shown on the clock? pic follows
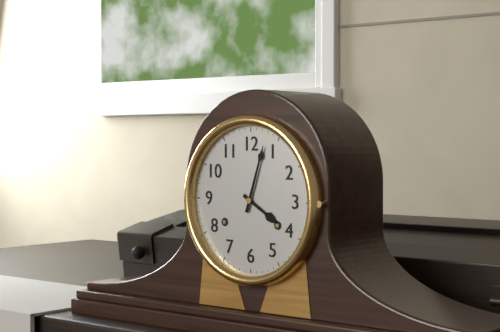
4:03
